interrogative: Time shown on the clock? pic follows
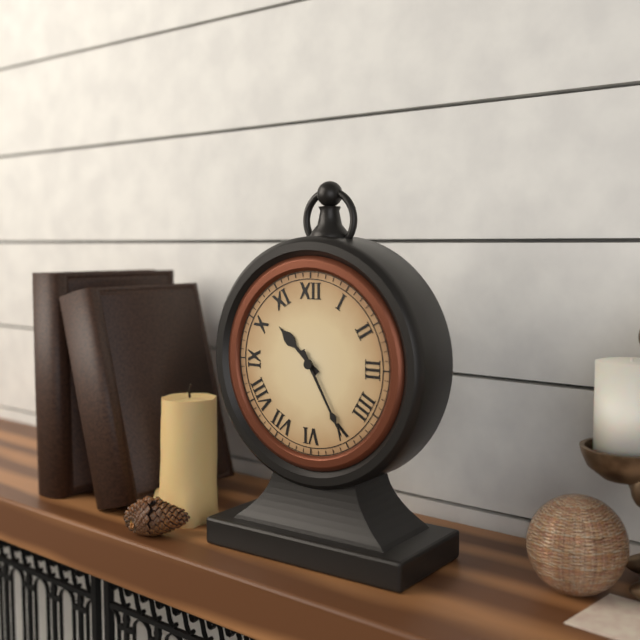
10:25
